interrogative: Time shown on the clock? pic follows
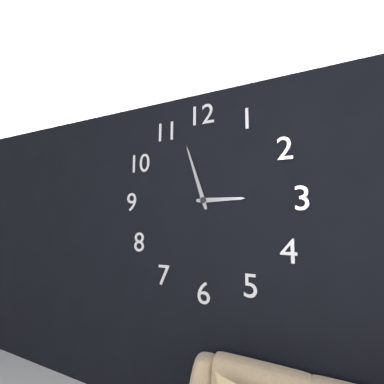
2:57
